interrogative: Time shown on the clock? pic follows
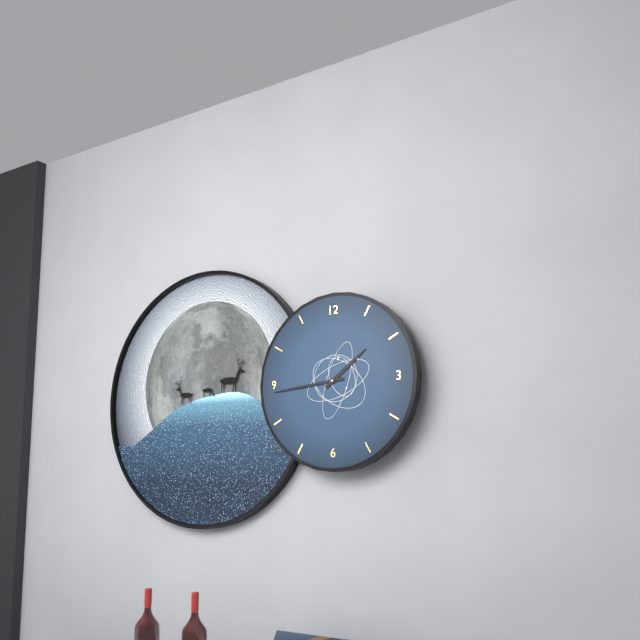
1:44
